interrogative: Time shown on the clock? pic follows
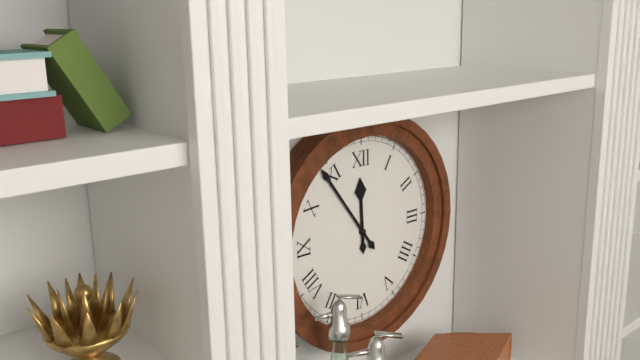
11:54
